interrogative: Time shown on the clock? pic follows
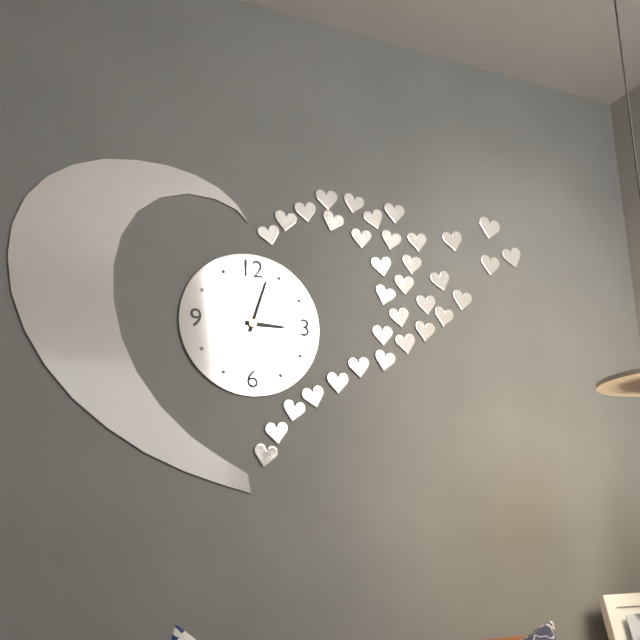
3:03:27
